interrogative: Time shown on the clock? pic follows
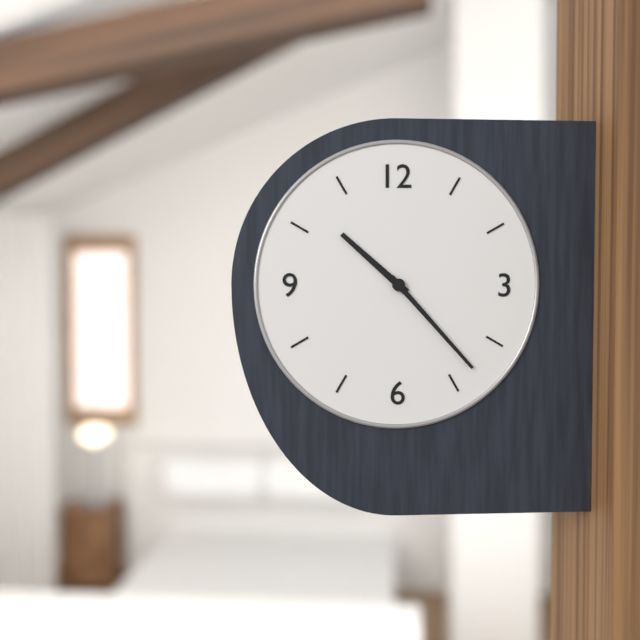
10:23
